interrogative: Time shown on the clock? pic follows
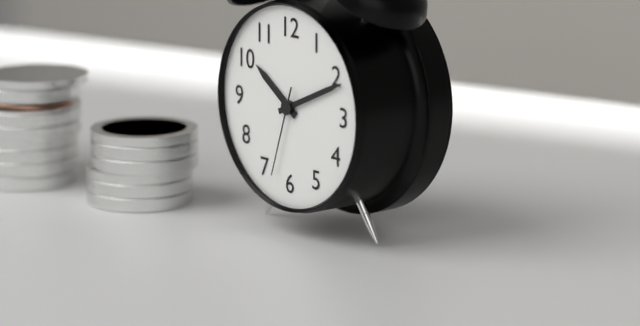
10:11:33
